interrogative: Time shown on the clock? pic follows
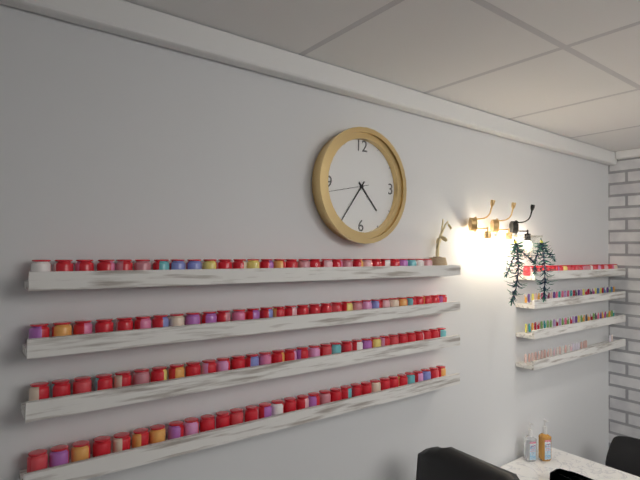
4:36
